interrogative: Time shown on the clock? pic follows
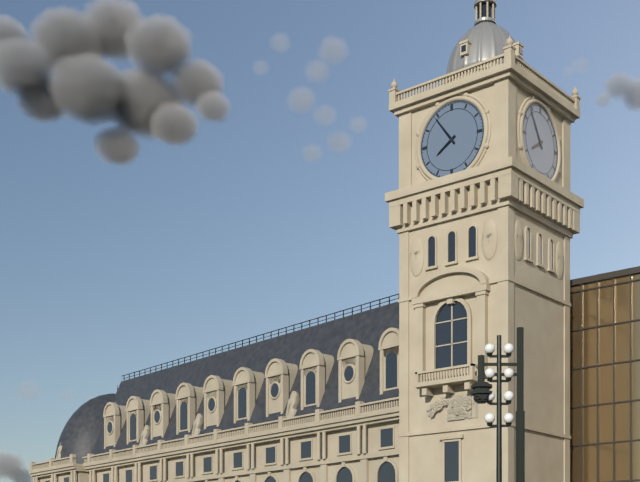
7:54
